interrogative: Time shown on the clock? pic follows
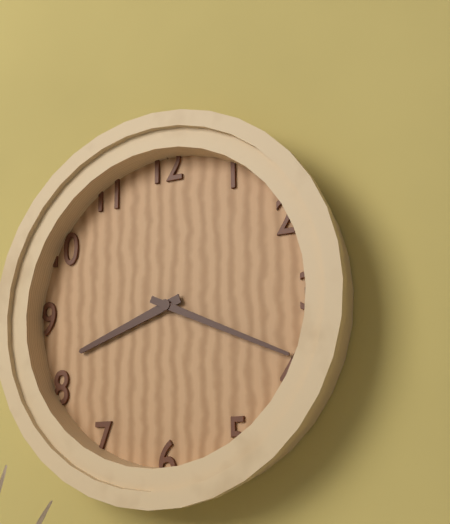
8:19
